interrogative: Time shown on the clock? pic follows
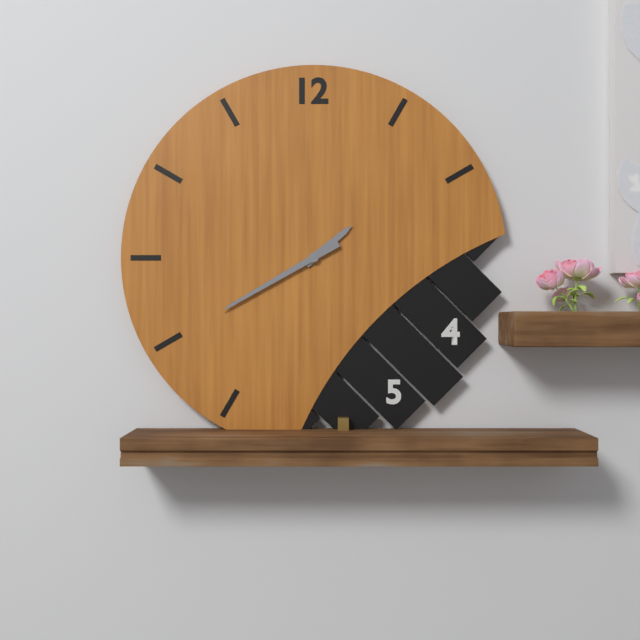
1:40
